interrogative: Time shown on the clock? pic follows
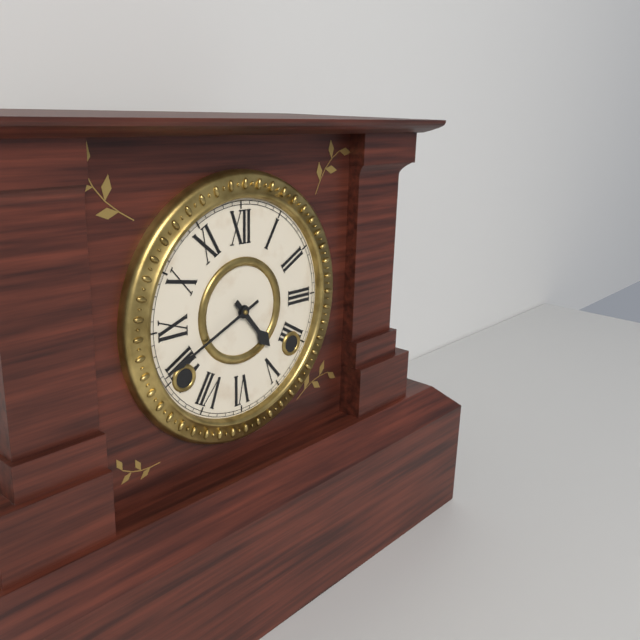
4:41
